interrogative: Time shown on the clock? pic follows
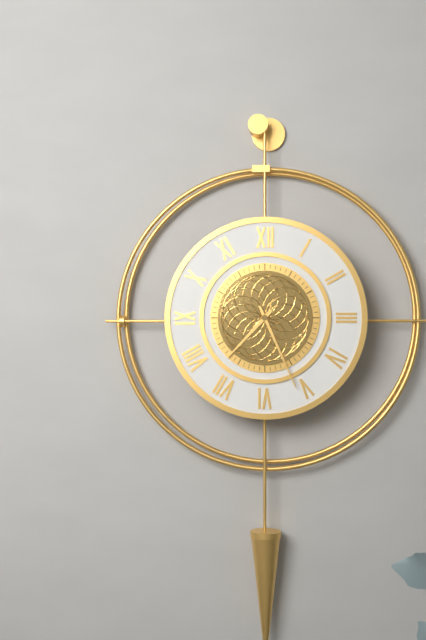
7:26
